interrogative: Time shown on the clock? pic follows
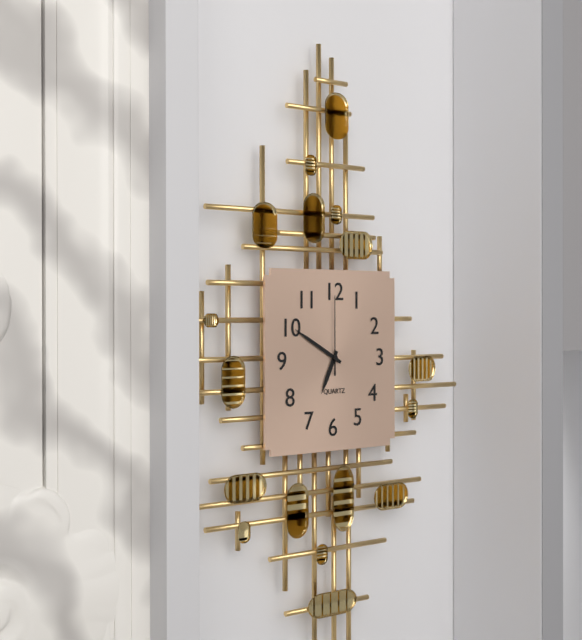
6:50:00
